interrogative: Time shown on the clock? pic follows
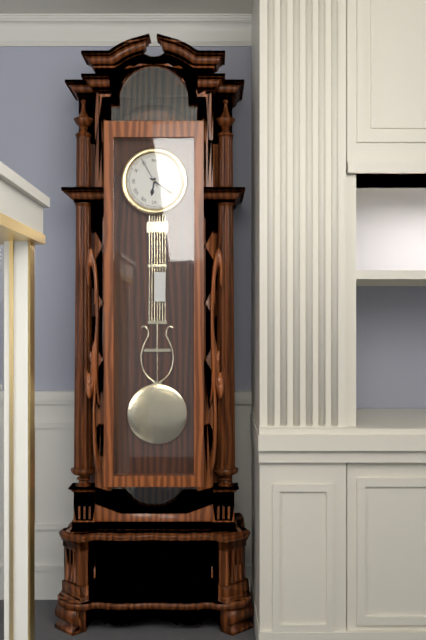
6:21
